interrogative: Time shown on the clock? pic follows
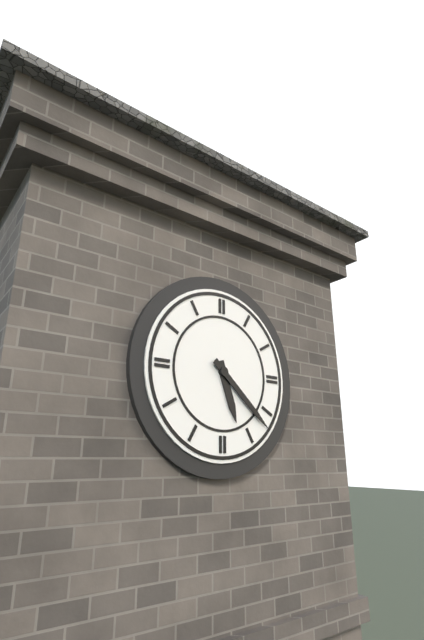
5:22
